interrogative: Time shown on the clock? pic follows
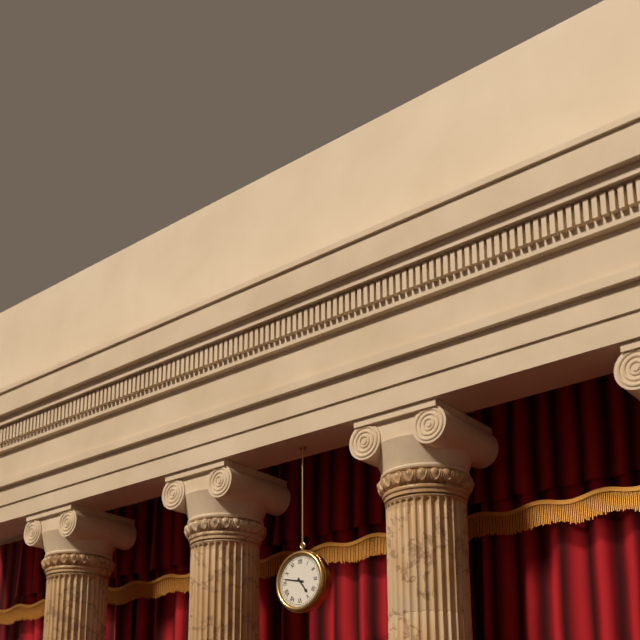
4:47
